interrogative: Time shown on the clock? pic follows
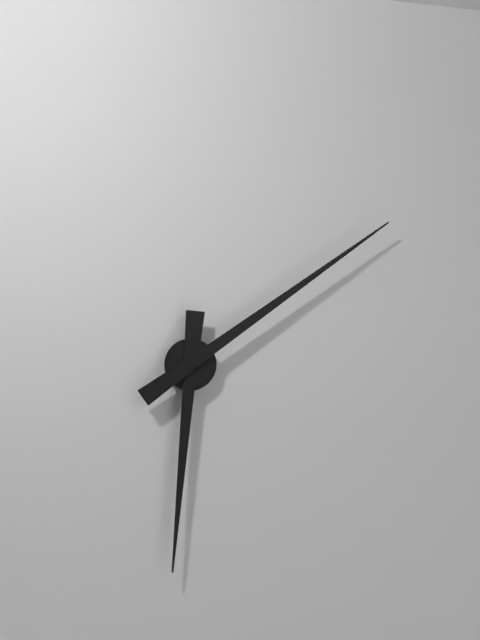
6:09
